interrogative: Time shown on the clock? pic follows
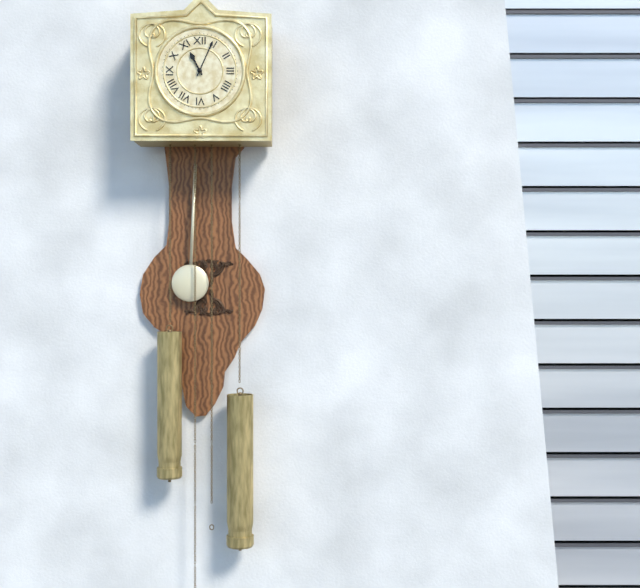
11:04
